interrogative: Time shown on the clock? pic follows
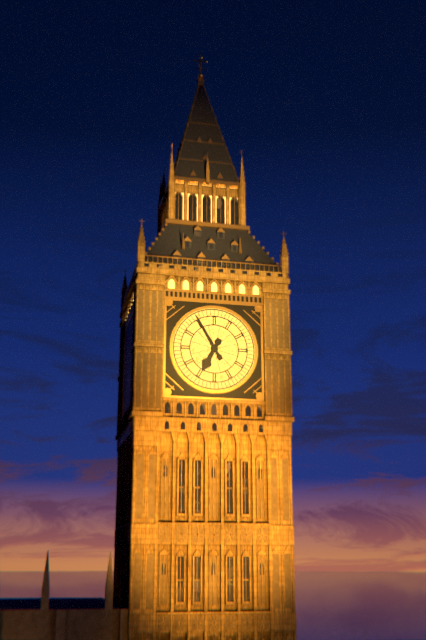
6:55
